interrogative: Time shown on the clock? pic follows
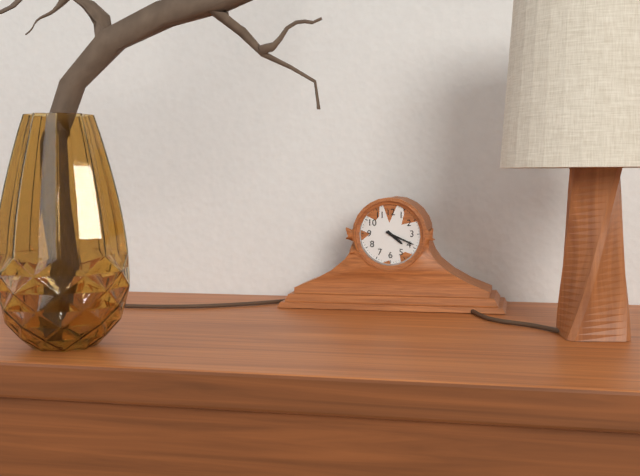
4:19
